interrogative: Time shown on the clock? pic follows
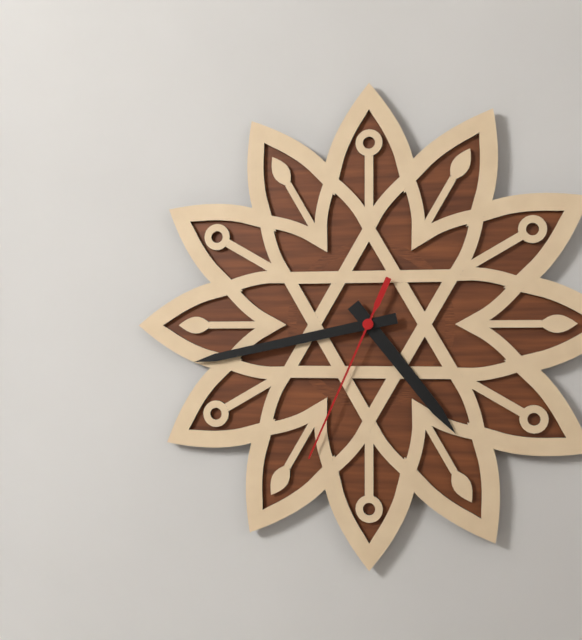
4:43:34
